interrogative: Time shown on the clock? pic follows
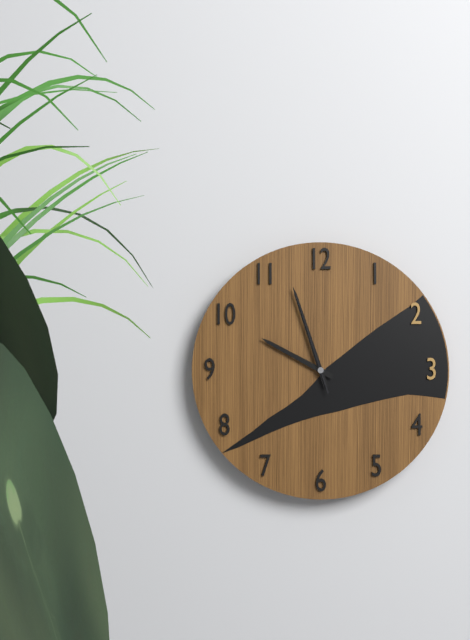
9:57:57
